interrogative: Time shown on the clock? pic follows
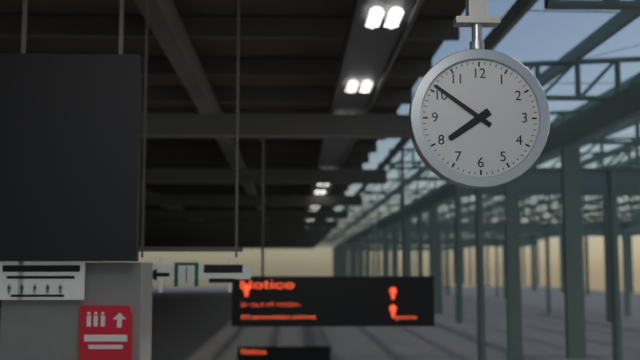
7:51
